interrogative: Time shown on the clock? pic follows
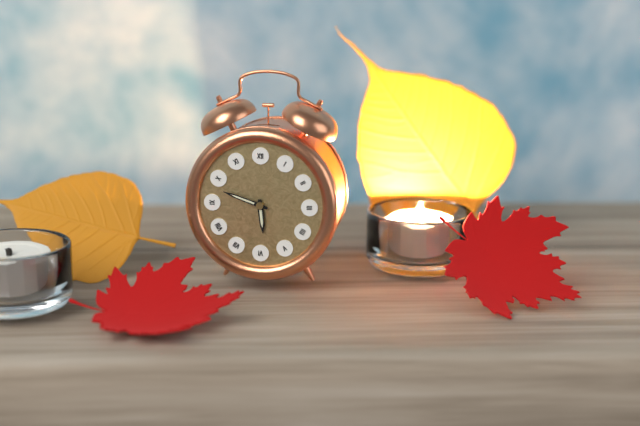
5:48
